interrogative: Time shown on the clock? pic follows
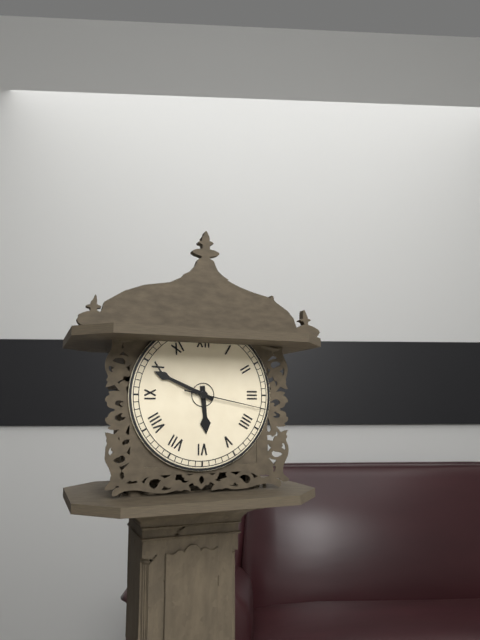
5:49:17
